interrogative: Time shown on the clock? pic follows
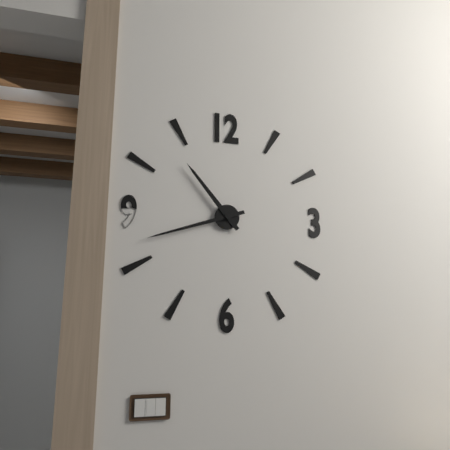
10:42
